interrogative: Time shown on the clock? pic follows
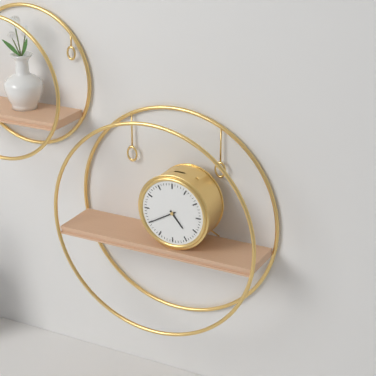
4:40
